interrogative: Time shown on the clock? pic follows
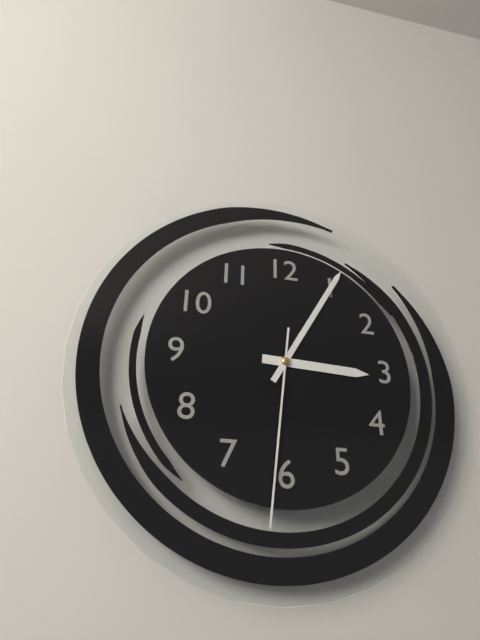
3:05:31
